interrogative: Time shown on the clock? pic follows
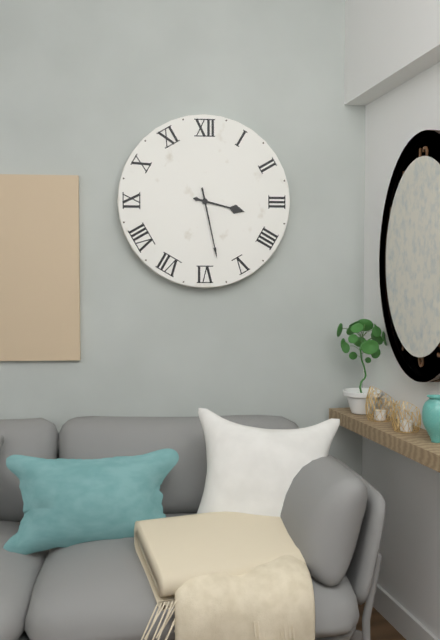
3:28
